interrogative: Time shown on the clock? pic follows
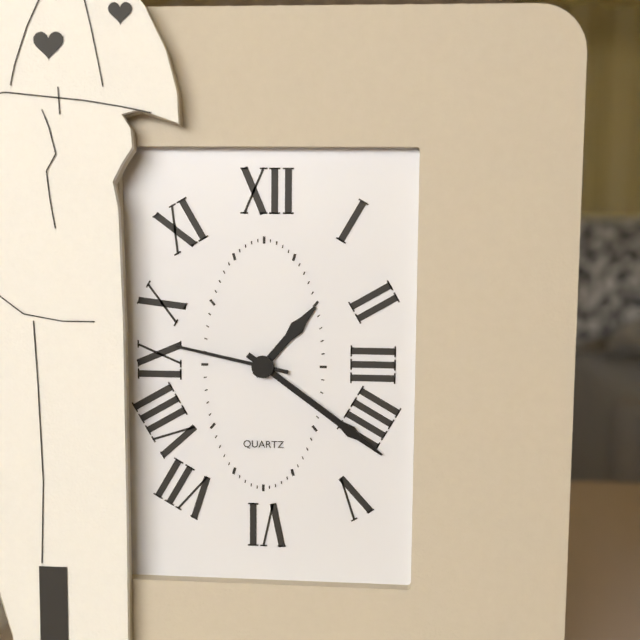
1:21:47
